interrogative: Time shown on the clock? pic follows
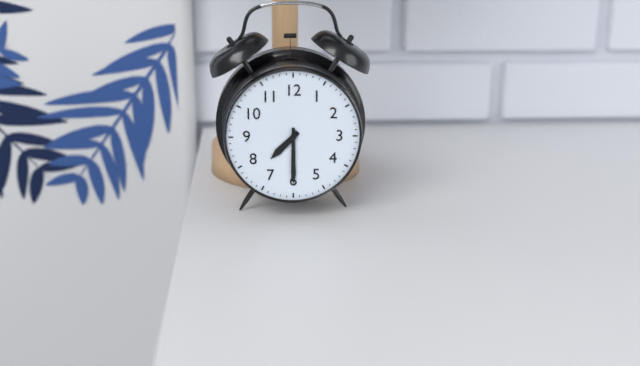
7:30
